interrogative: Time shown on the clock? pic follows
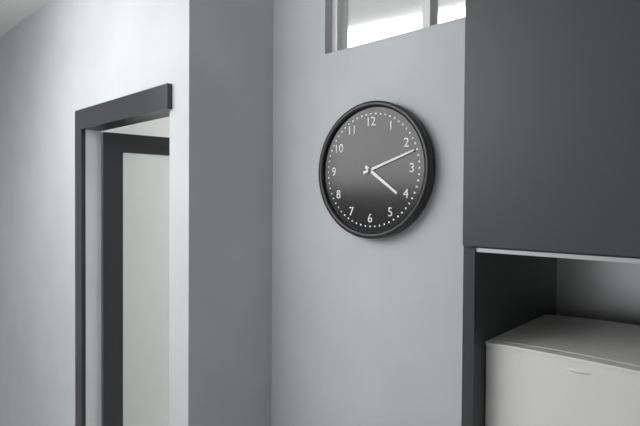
4:12
